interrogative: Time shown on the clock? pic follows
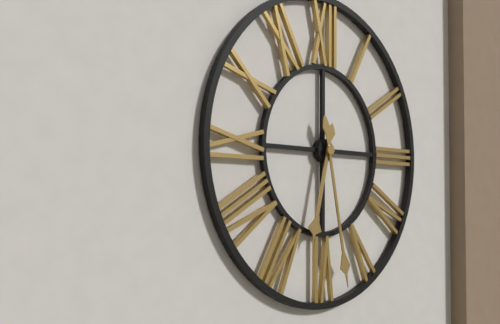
6:28
